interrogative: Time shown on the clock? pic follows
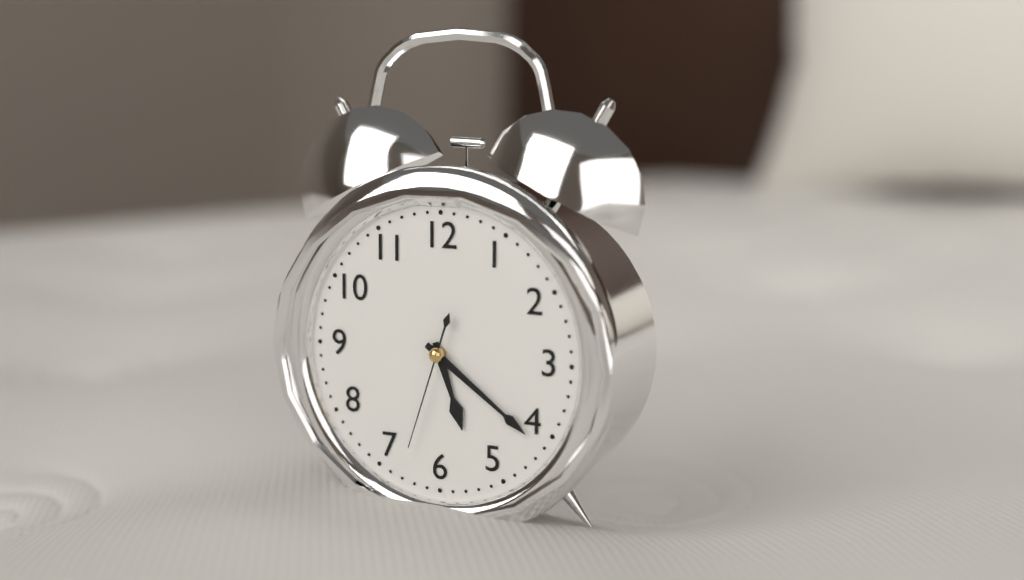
5:21:33
